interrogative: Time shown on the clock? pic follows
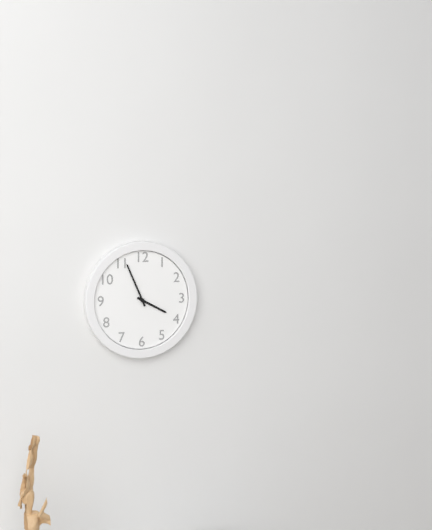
3:56
